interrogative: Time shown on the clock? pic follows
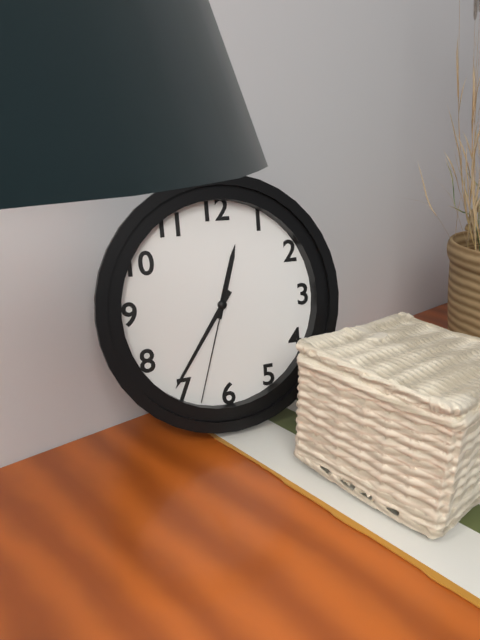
12:36:33
